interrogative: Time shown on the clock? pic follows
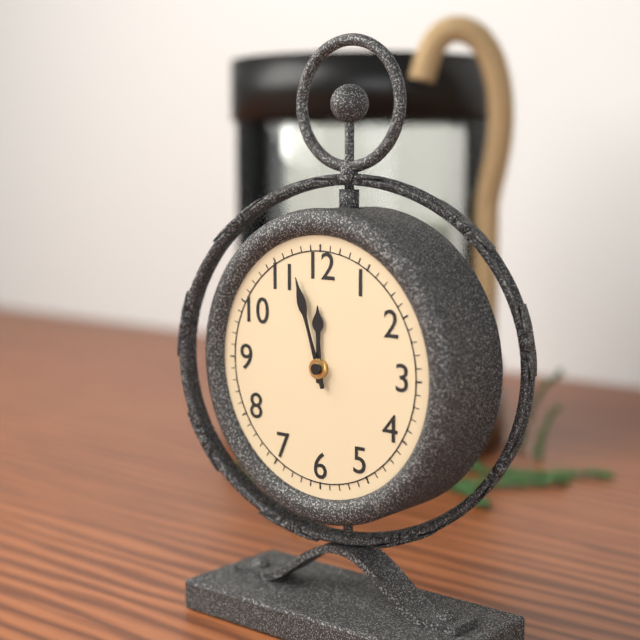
11:57
